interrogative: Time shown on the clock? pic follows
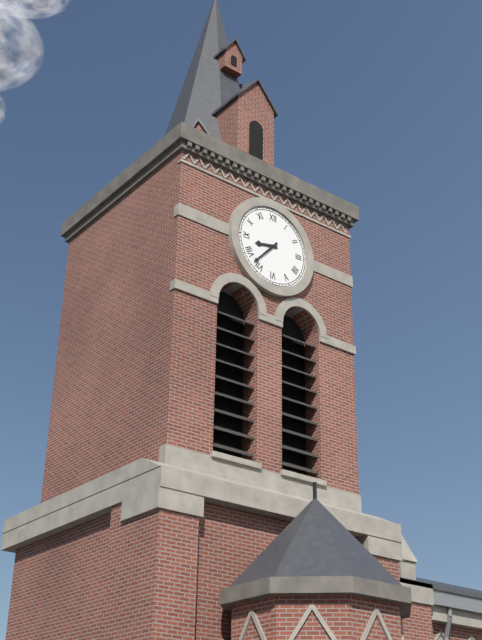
8:37
